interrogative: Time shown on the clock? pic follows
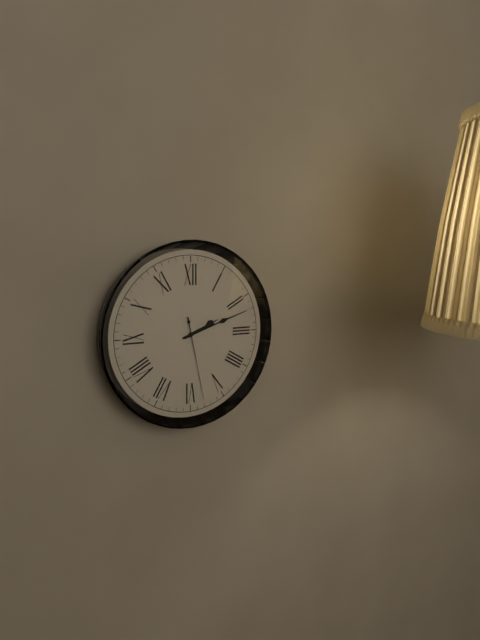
2:12:28
